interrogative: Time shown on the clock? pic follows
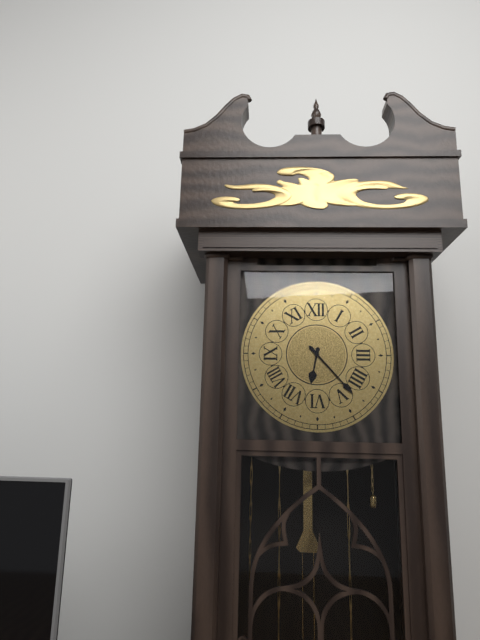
6:23
